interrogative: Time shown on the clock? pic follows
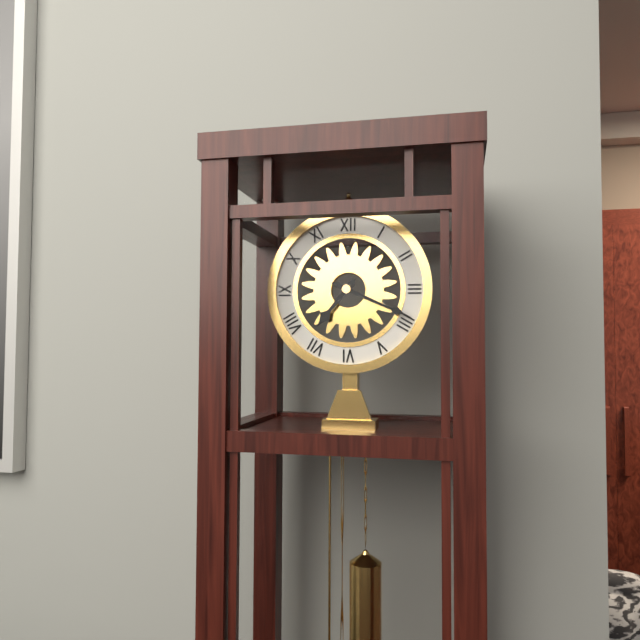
7:19
